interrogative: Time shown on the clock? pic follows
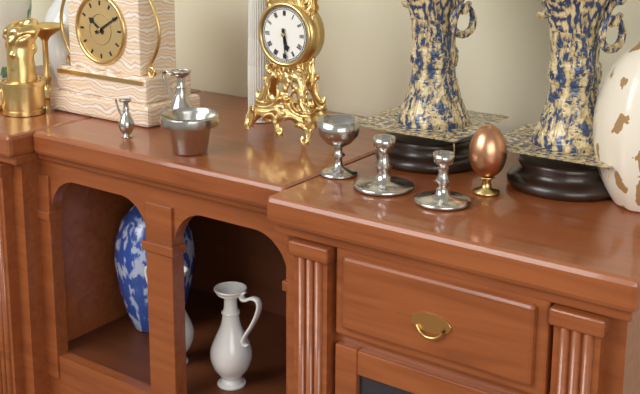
5:29
